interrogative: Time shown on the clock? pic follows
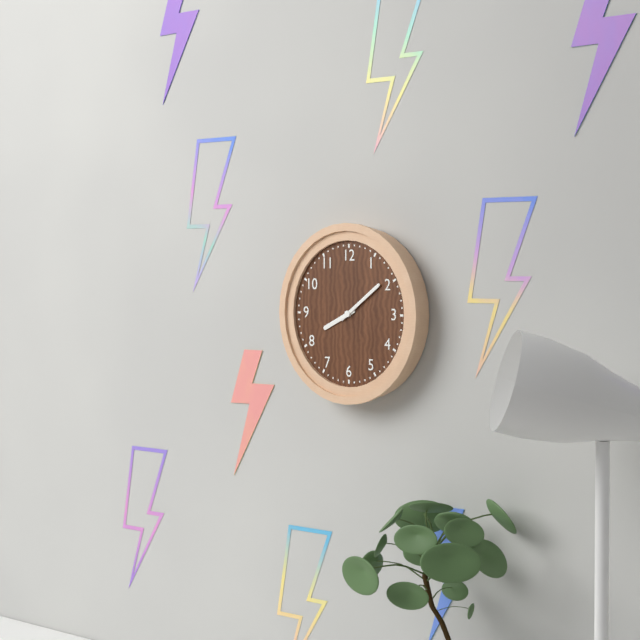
8:09
